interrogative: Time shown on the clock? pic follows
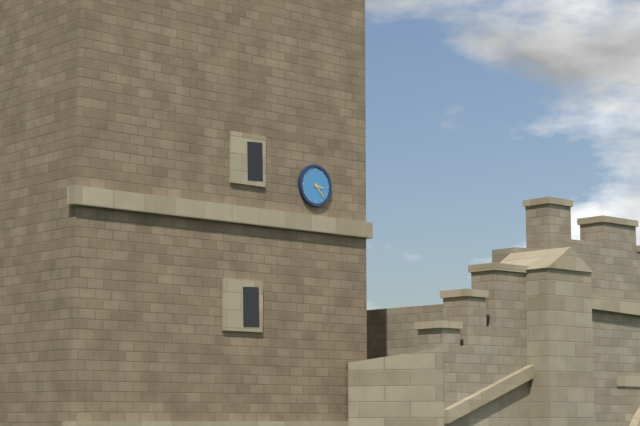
3:23
